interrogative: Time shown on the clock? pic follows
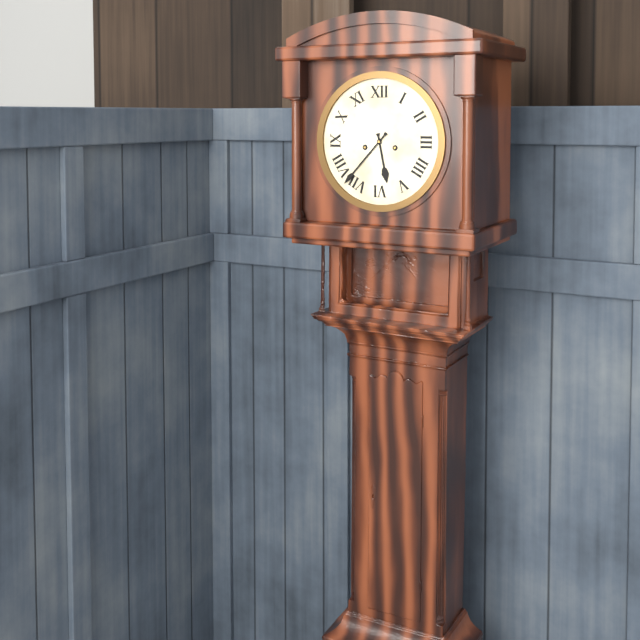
5:37
